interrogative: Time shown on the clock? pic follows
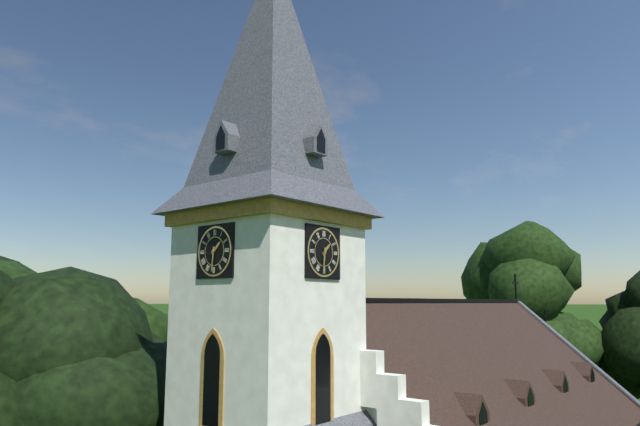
1:31
